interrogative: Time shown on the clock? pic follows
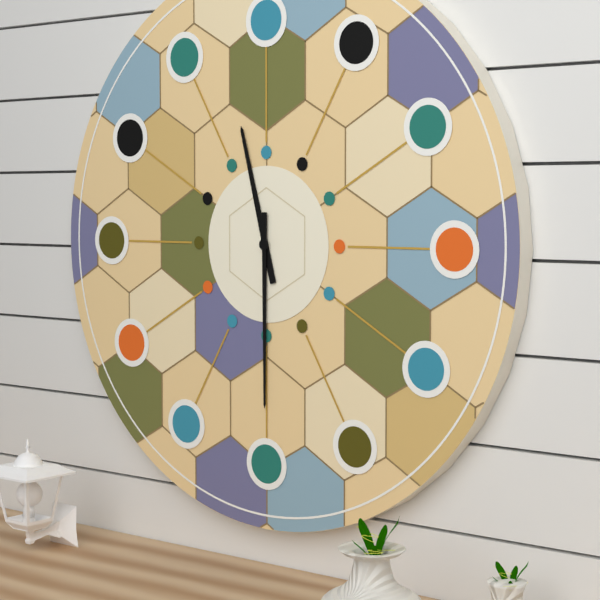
11:30
